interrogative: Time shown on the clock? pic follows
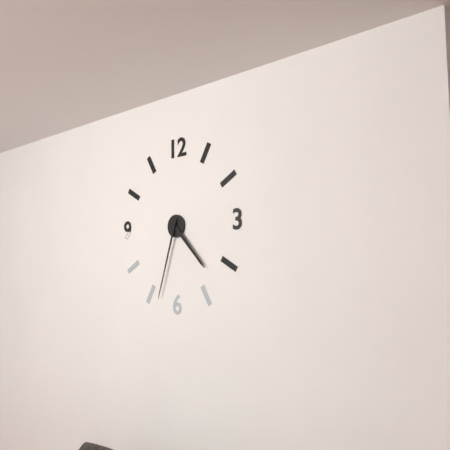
4:33
